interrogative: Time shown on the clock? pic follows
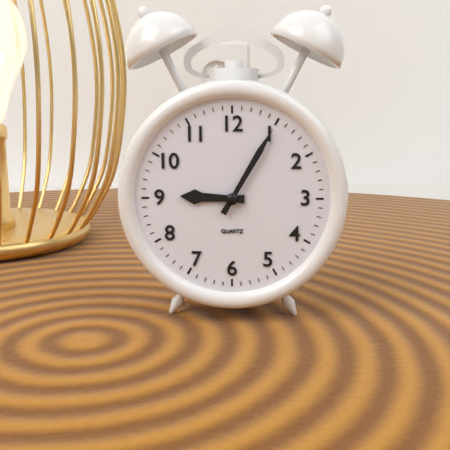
9:05
